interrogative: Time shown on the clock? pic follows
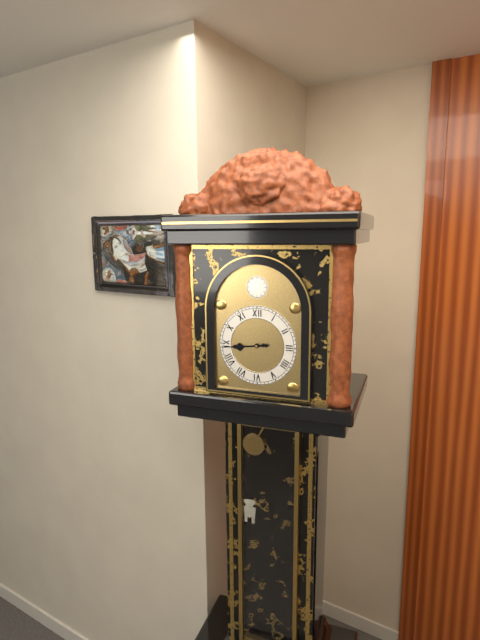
8:44
